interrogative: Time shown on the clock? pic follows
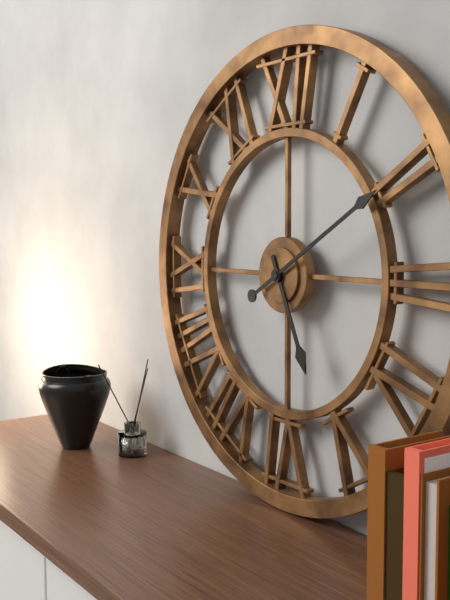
5:10
